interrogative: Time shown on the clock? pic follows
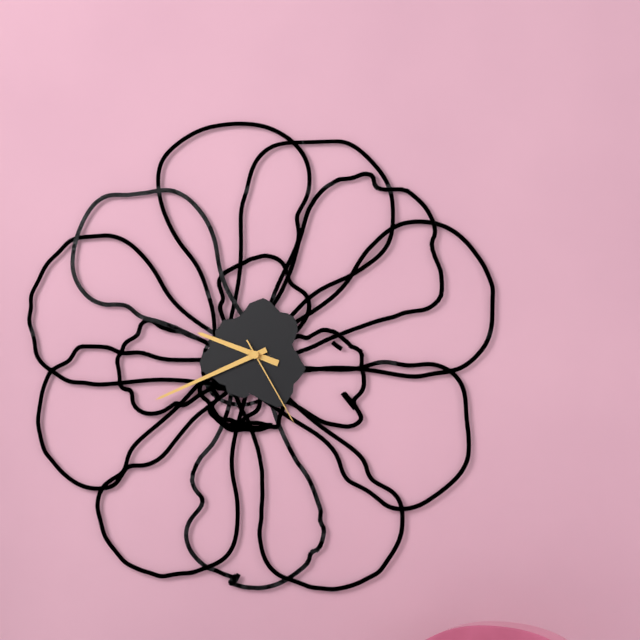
9:41:25
